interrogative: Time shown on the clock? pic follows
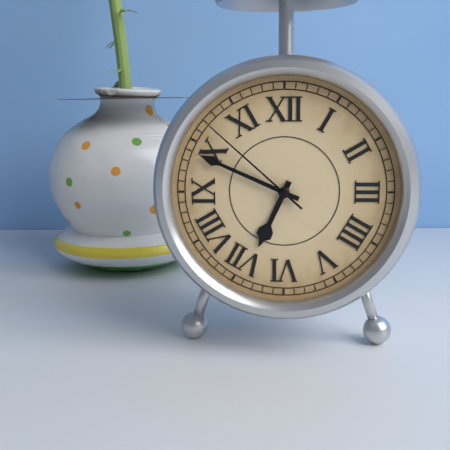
6:49:52
